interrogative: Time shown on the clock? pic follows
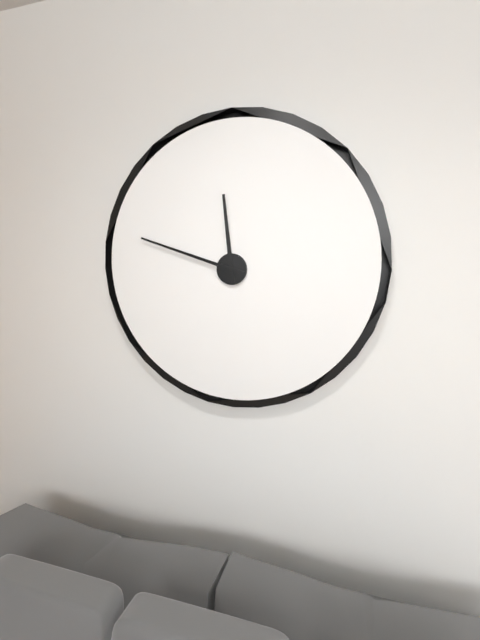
11:48
